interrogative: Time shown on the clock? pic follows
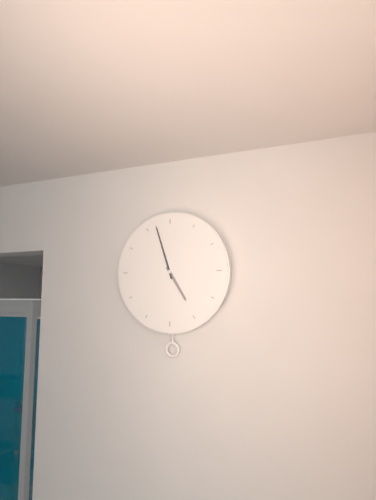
4:57
